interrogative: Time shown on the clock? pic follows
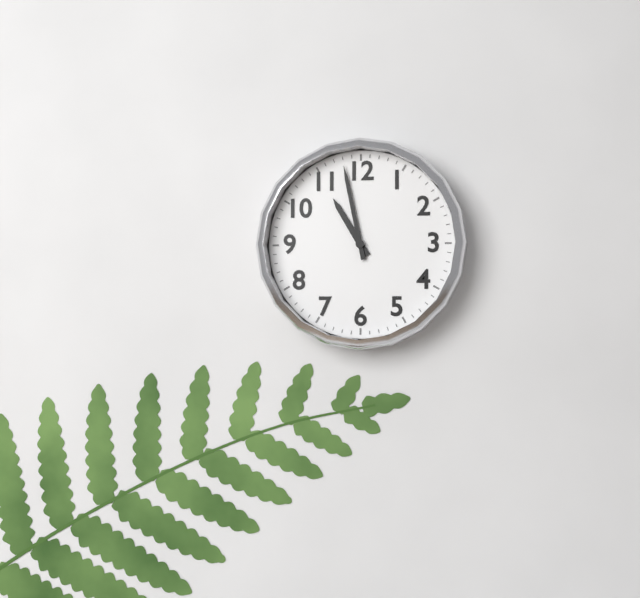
10:58
